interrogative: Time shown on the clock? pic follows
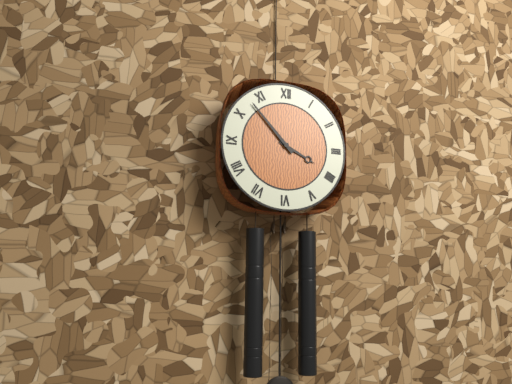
3:53
